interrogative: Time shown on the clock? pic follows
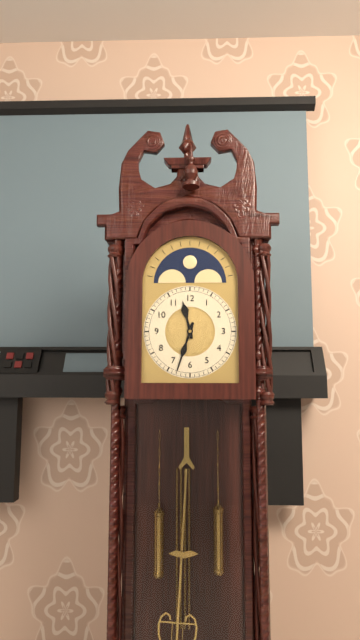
11:33
